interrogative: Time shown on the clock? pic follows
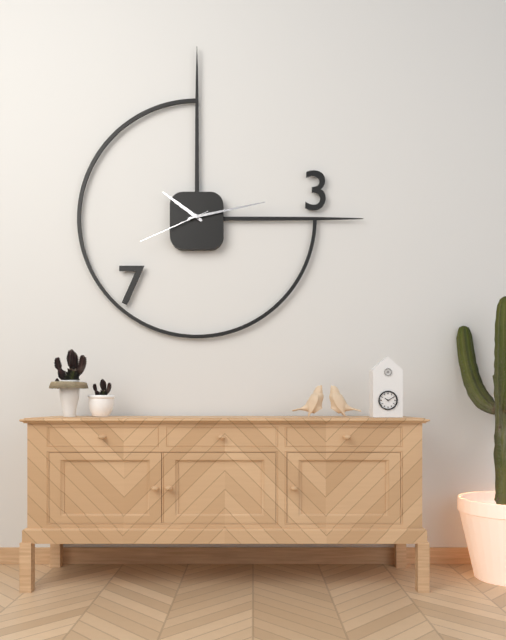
10:13:41
